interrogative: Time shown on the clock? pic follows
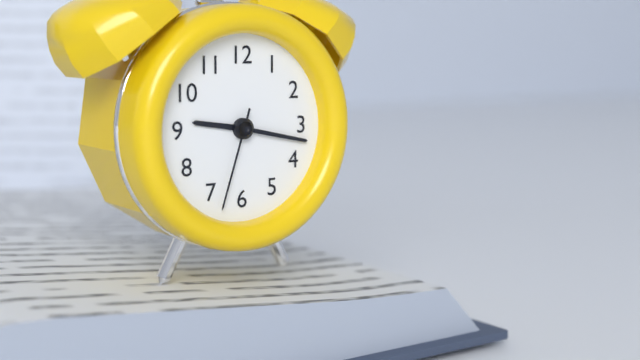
9:17:33
